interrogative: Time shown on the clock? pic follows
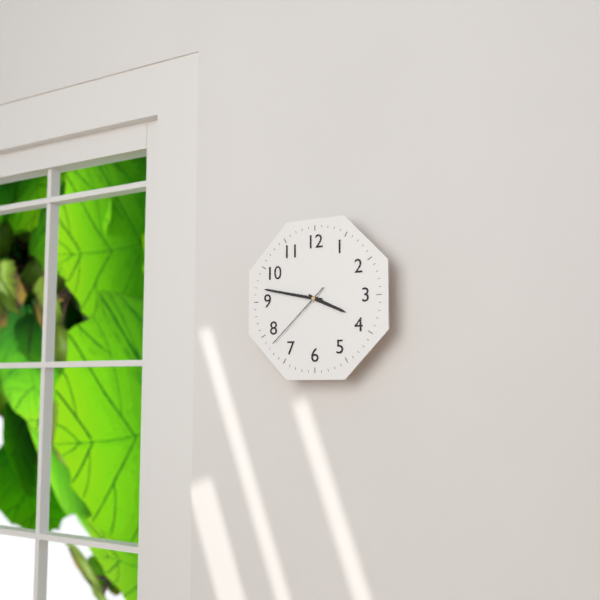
3:47:38
